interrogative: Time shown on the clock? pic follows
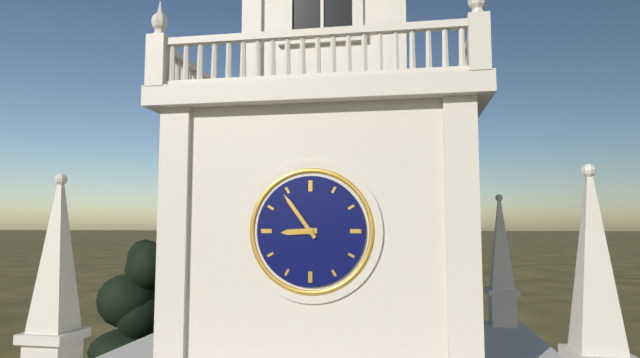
8:54
